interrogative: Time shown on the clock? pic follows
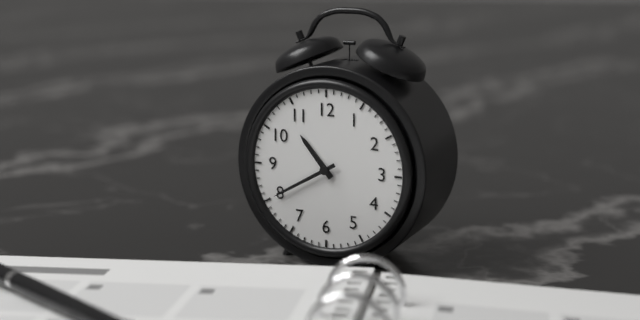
10:40
